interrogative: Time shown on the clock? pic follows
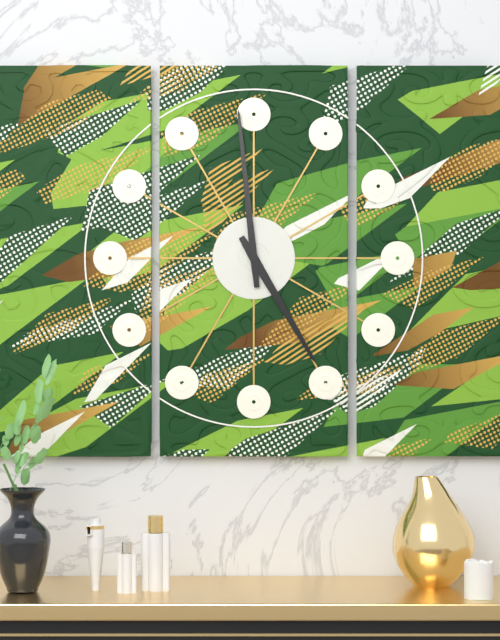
4:59
